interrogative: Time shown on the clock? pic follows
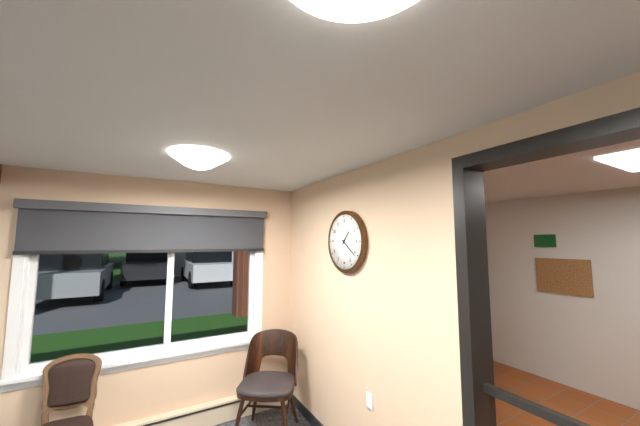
1:21
